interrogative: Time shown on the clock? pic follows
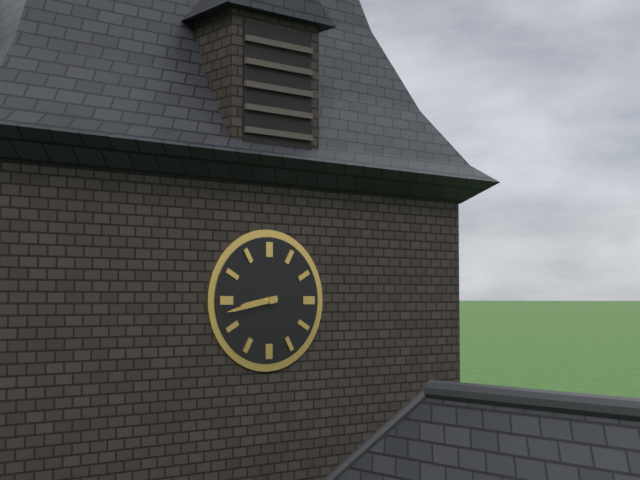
8:43
